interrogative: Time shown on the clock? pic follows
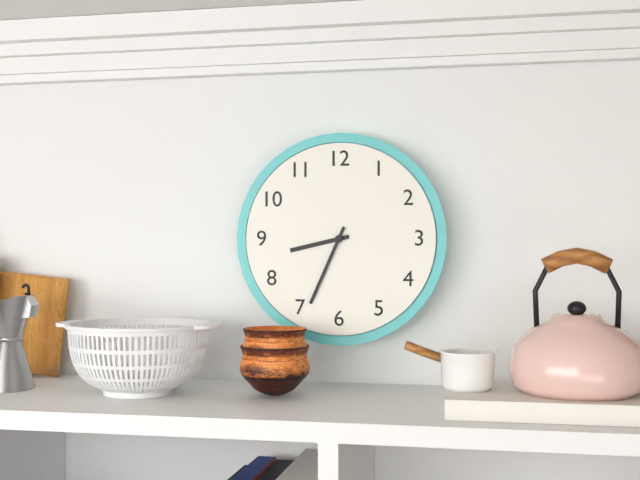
8:34
